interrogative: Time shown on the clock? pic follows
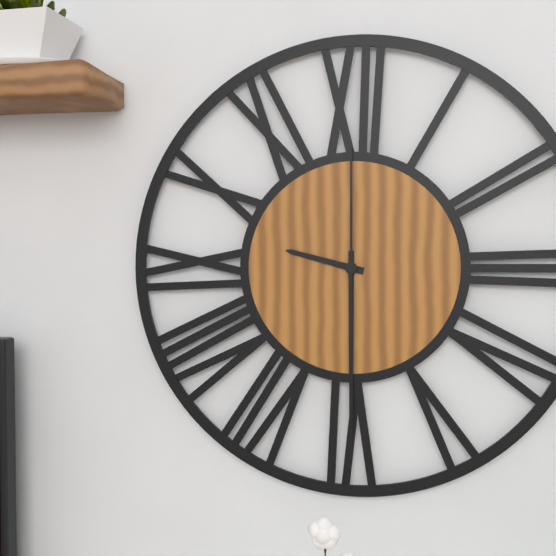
9:30:00
